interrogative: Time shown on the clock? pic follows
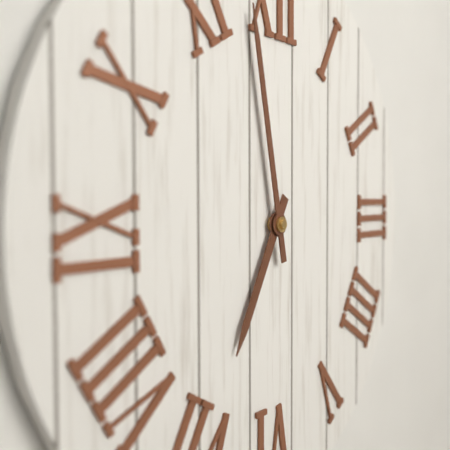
6:58
